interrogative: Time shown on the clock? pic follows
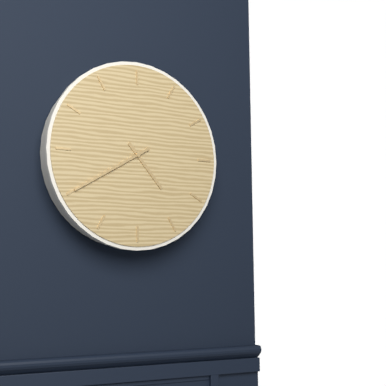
4:40
